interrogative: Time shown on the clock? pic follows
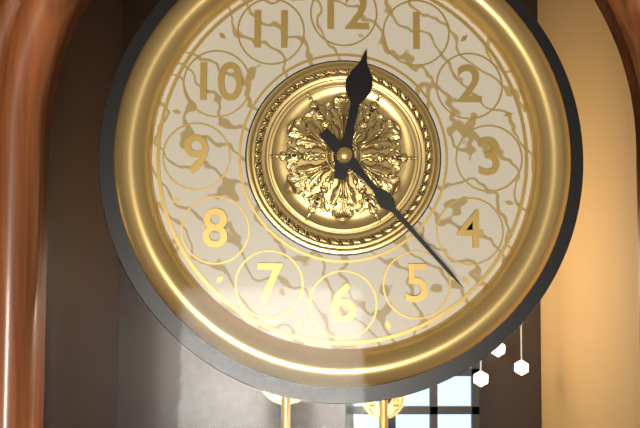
12:23
